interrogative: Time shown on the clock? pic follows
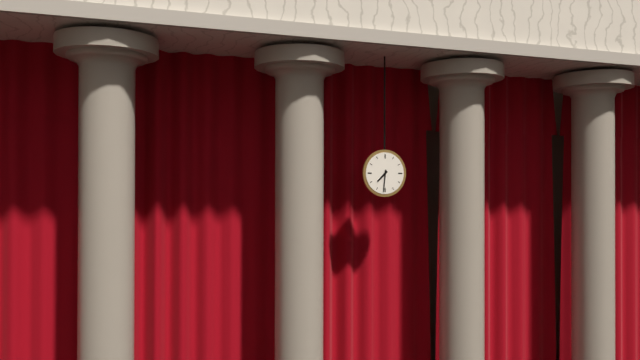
7:31
